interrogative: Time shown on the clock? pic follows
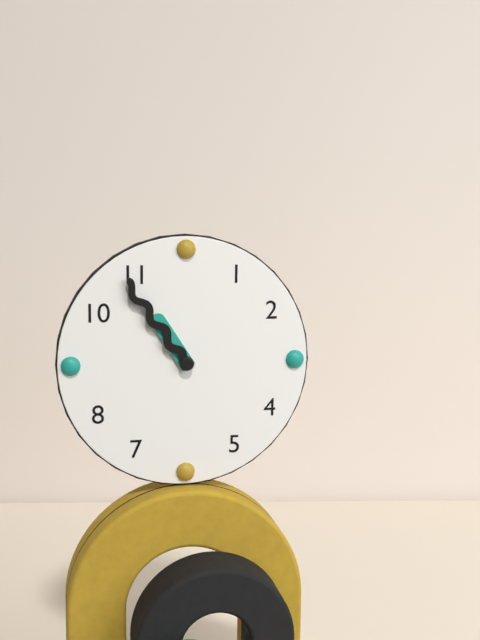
10:54
